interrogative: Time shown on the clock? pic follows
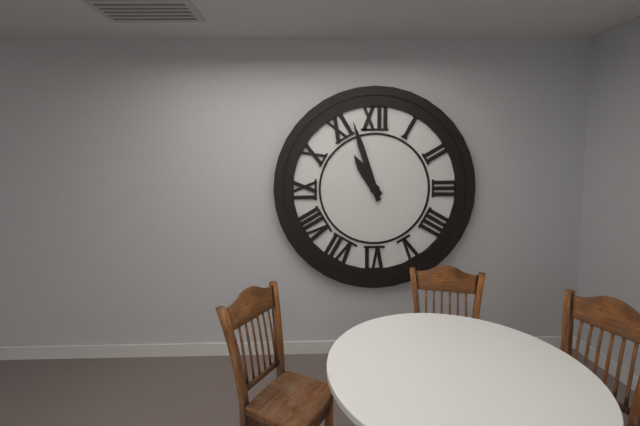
10:57
